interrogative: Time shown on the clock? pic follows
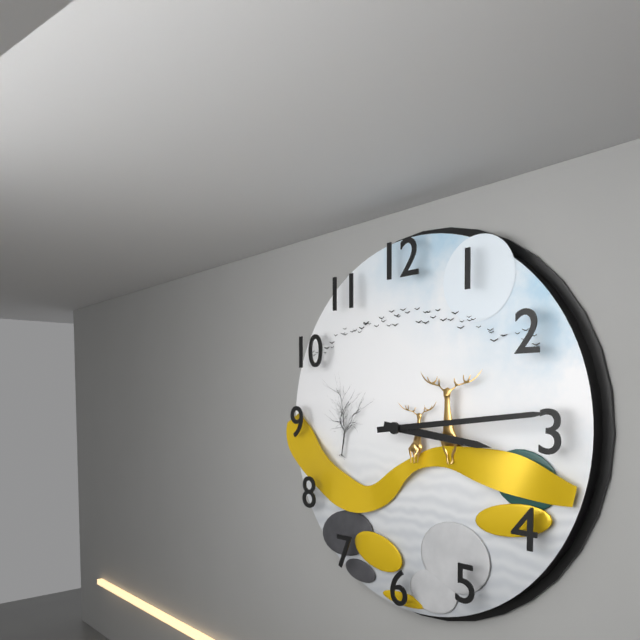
3:14
